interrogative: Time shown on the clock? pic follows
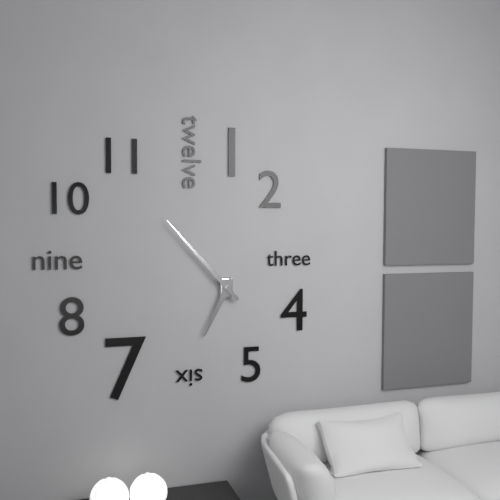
6:53
